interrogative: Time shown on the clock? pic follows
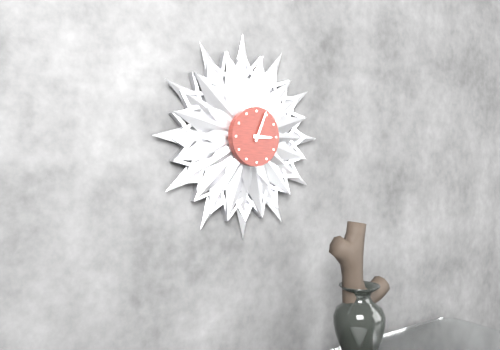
3:04
